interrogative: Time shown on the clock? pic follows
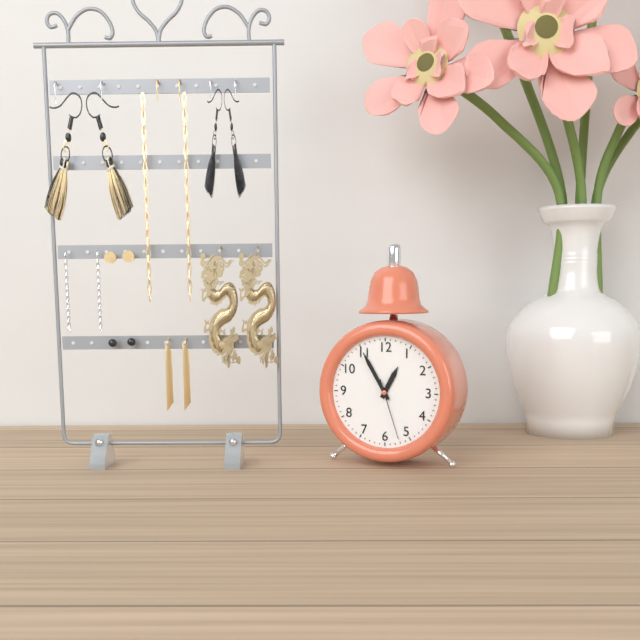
12:55:27
